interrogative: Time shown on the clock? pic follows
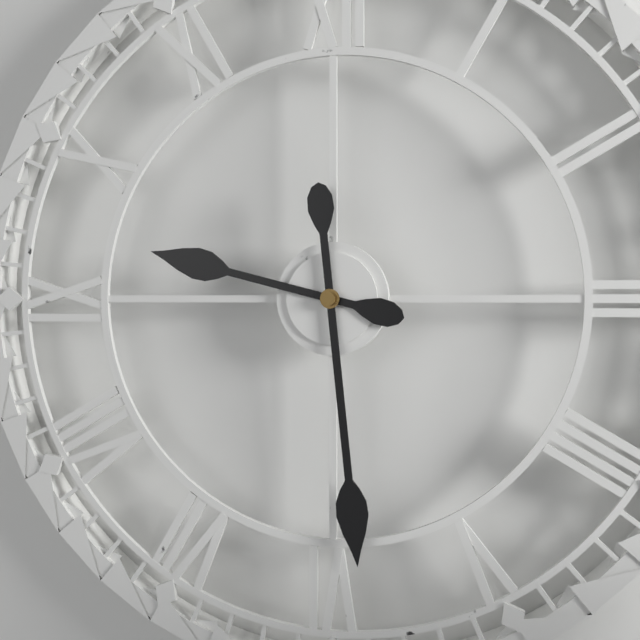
9:29
